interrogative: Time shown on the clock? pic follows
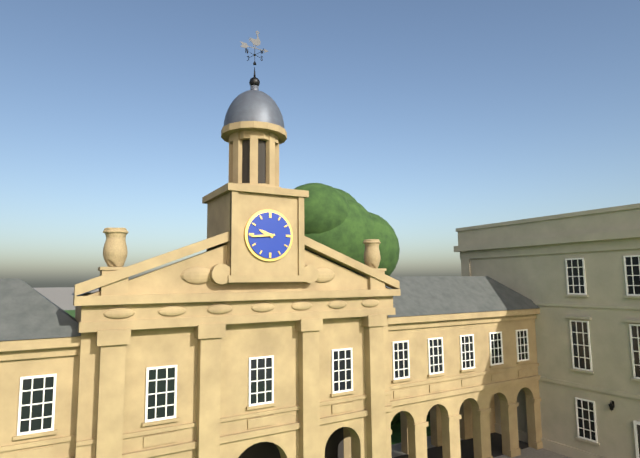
9:44
